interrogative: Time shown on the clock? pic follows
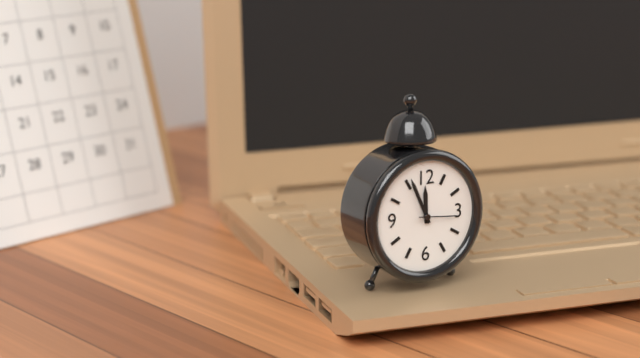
11:56:16
